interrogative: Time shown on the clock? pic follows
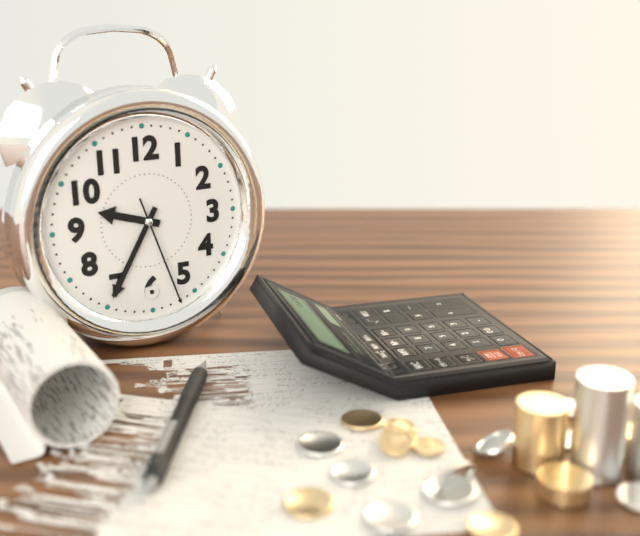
9:35:27
